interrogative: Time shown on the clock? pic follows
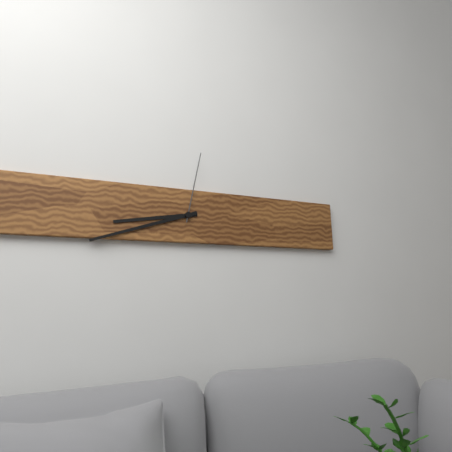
8:42:02
